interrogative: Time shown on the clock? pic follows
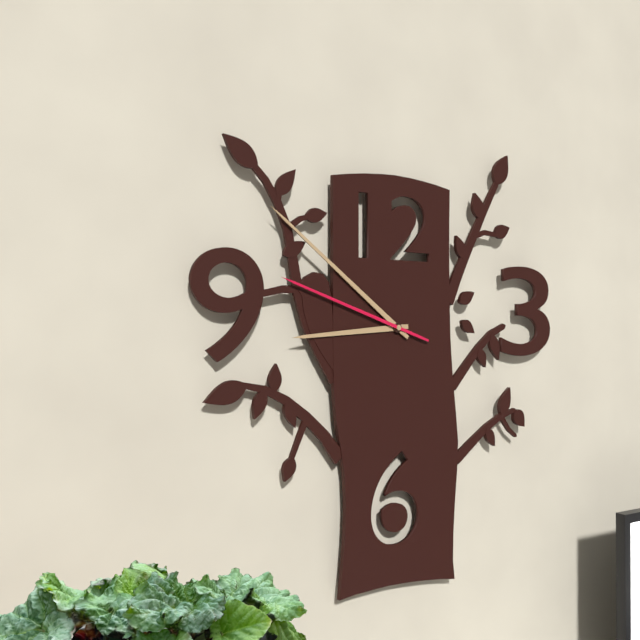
8:51:48
